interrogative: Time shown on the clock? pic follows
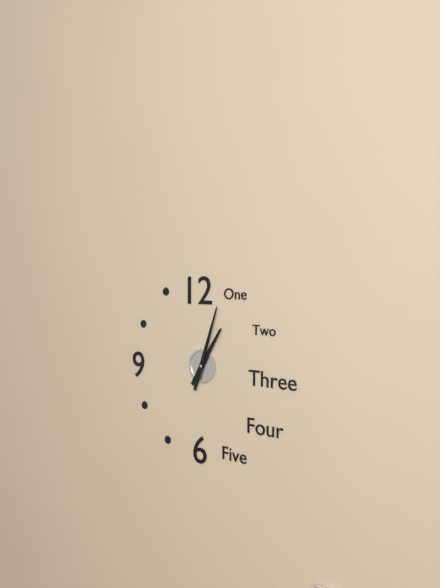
1:03
